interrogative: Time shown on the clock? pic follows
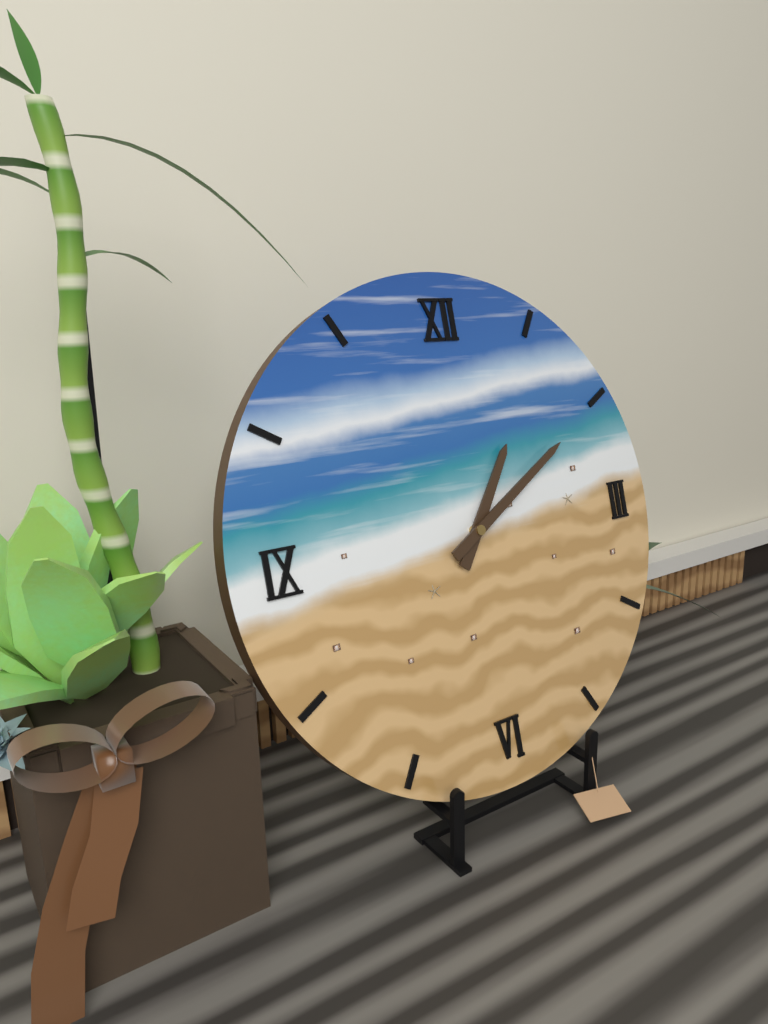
1:10
